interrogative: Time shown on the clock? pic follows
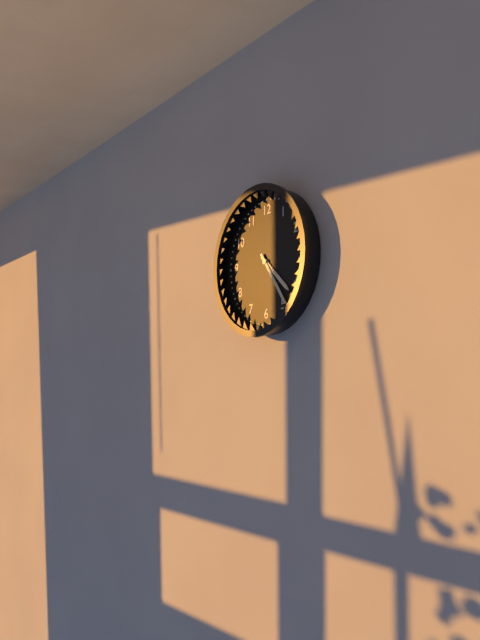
4:24
